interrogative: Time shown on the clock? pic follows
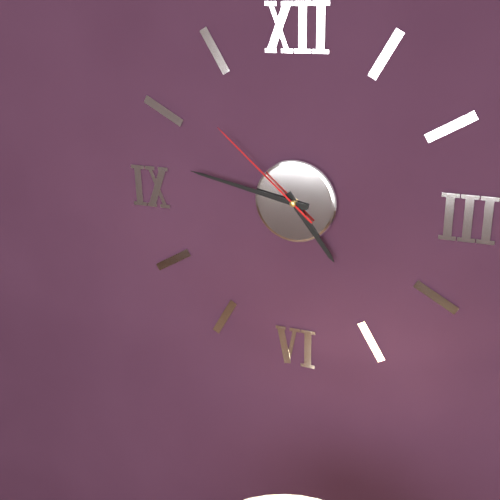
4:47:52
